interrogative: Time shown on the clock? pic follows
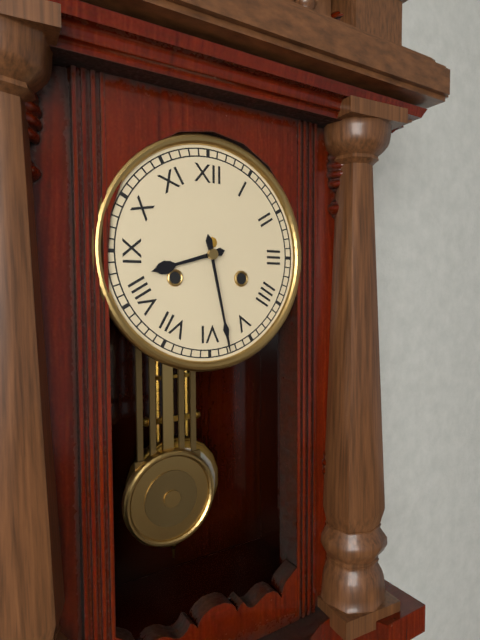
8:28
